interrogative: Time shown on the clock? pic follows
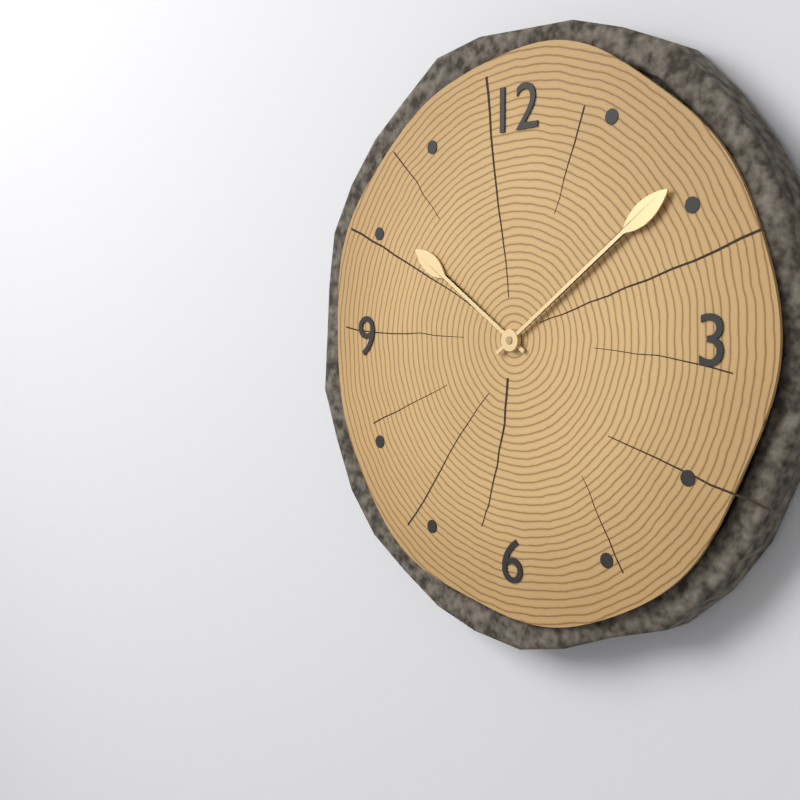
10:09
